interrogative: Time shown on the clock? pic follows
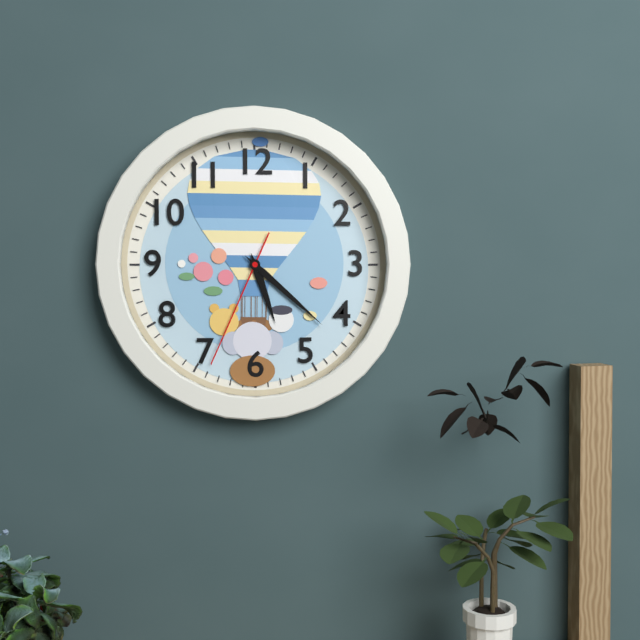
5:22:34
